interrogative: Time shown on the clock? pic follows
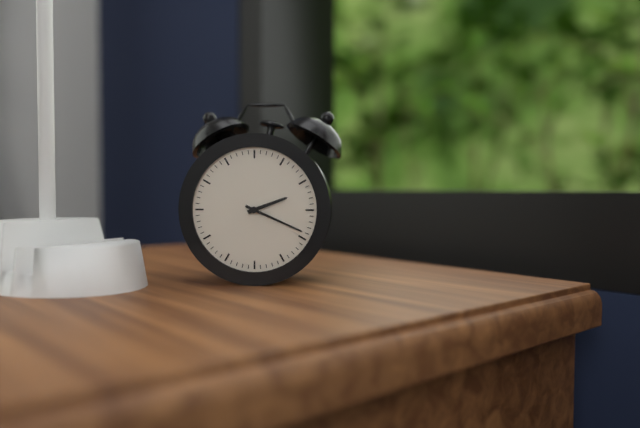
2:19
